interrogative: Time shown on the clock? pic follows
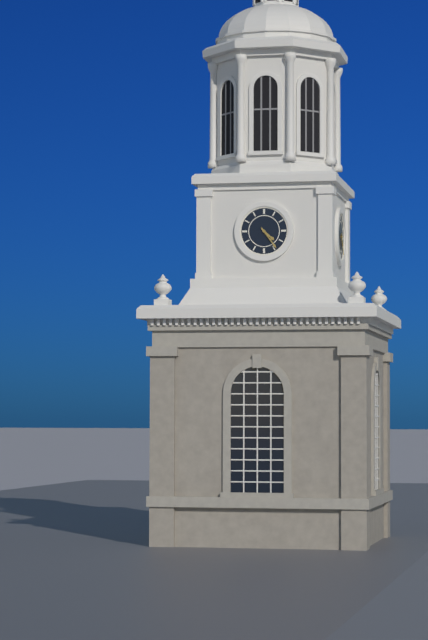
4:24
